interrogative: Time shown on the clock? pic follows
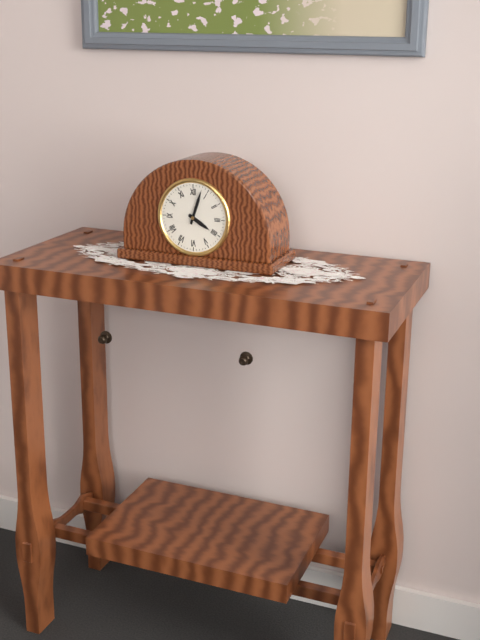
4:03
